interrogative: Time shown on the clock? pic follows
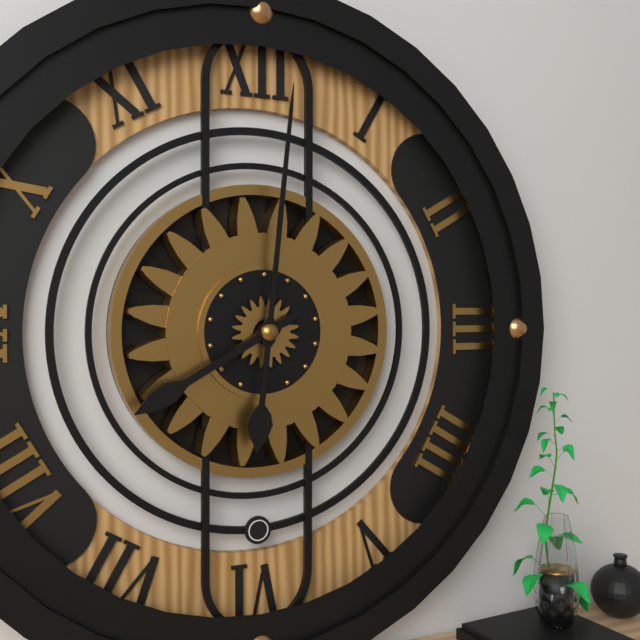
8:01
